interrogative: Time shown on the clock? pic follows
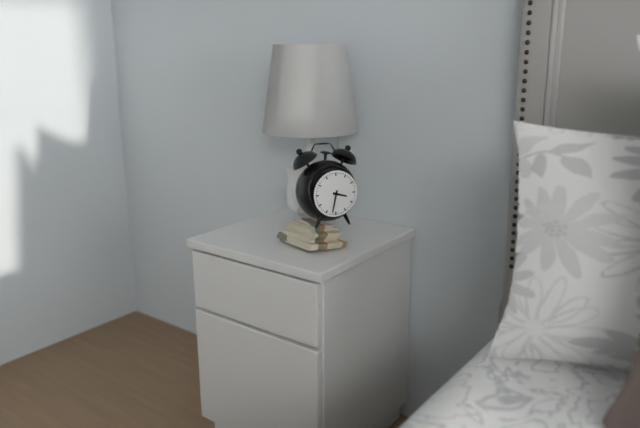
3:32
